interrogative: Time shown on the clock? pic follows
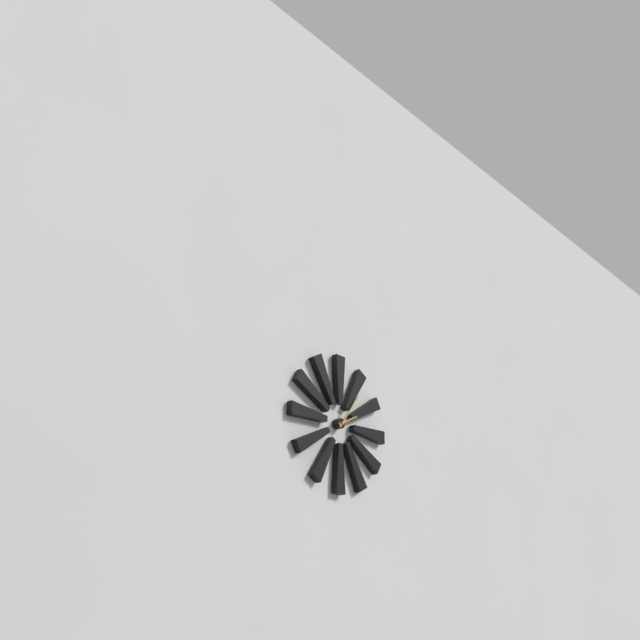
2:06
